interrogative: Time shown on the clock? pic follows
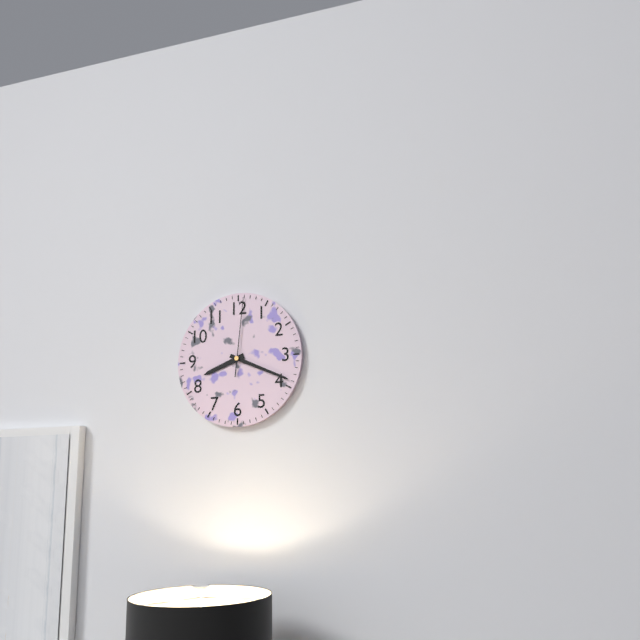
8:19:01
